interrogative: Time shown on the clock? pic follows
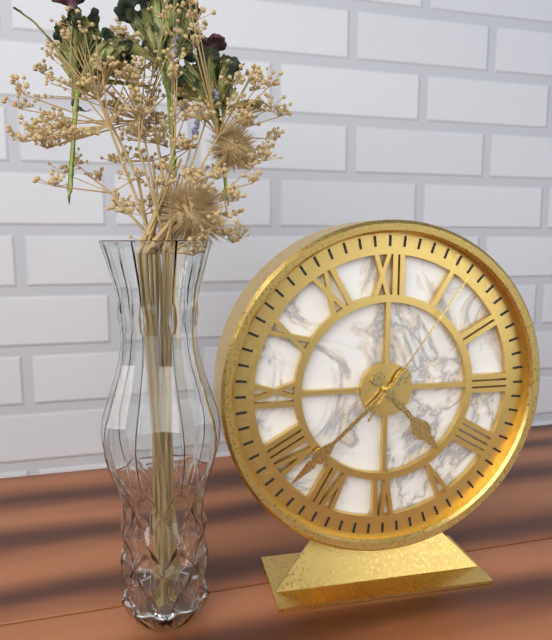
4:38:06
